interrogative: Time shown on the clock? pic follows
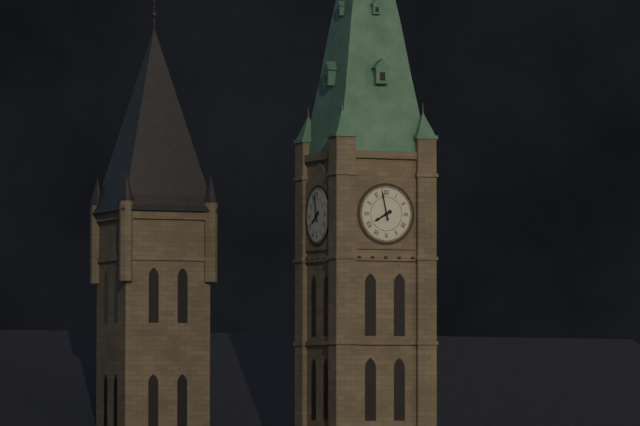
7:58
